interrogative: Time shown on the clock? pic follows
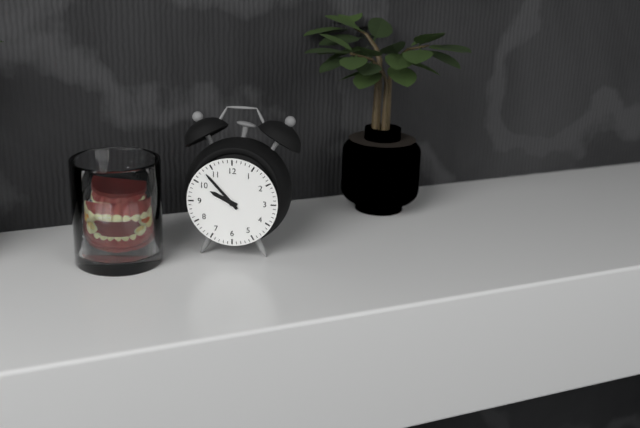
9:53
